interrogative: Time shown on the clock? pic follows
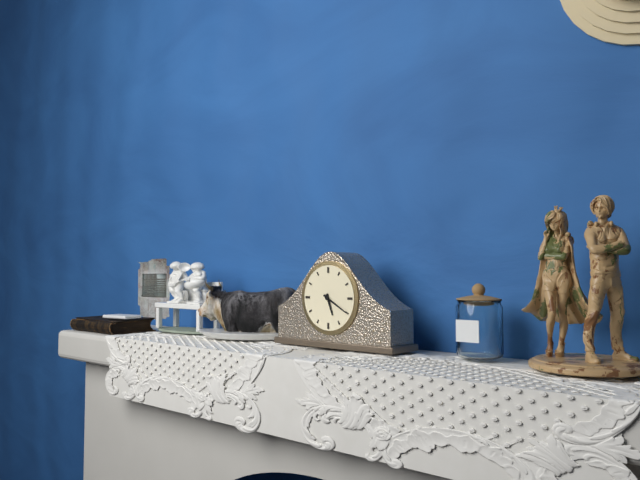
5:20
